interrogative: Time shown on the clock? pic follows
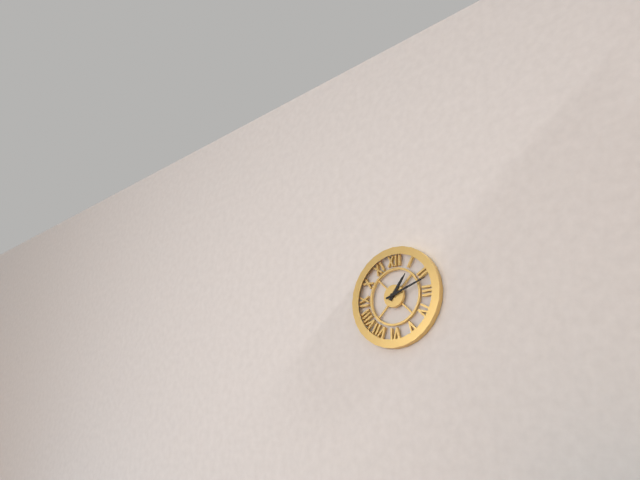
1:12
